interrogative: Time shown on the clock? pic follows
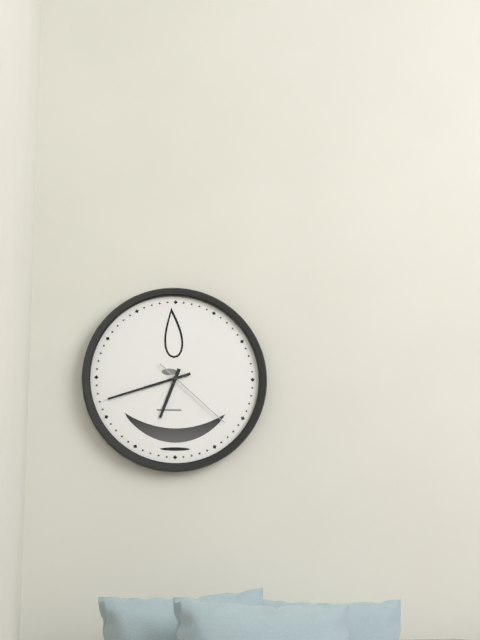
6:42:22
